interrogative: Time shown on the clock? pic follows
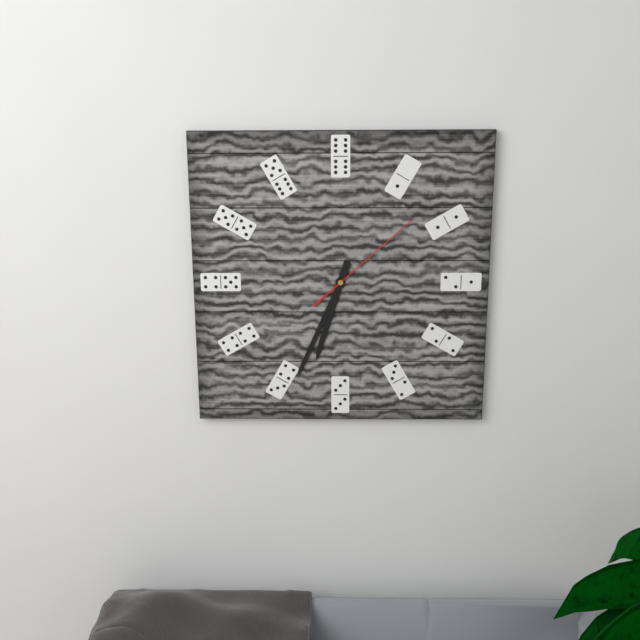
6:34:08
